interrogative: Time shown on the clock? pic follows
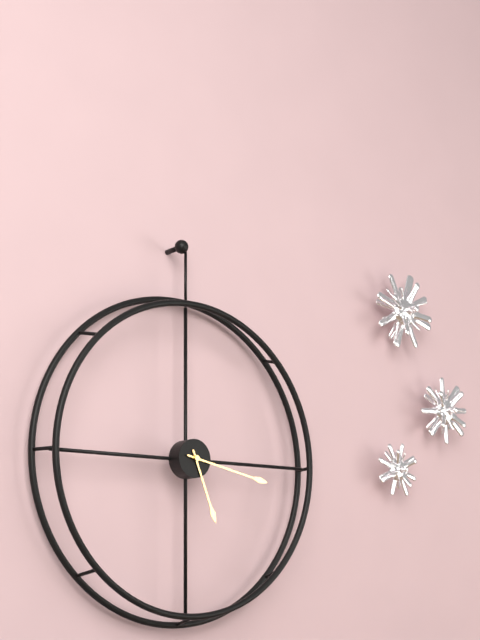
5:17
